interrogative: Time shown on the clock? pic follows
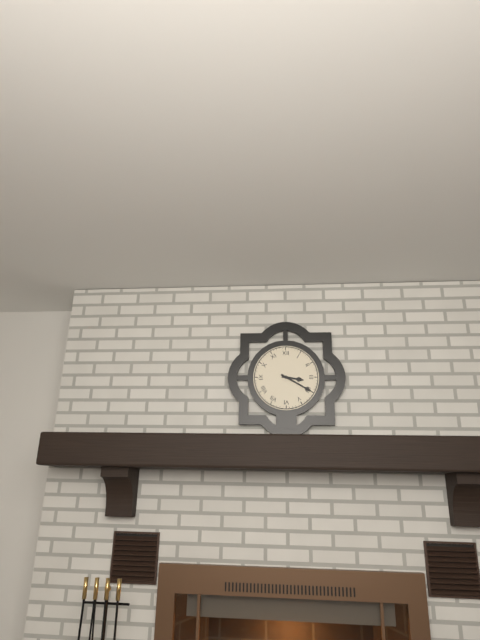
3:20
